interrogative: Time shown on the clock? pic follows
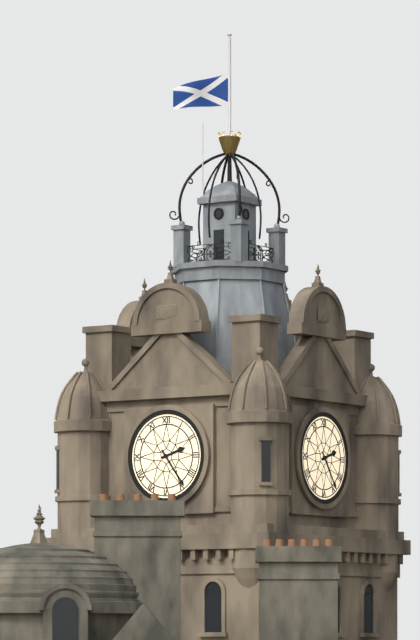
2:24
